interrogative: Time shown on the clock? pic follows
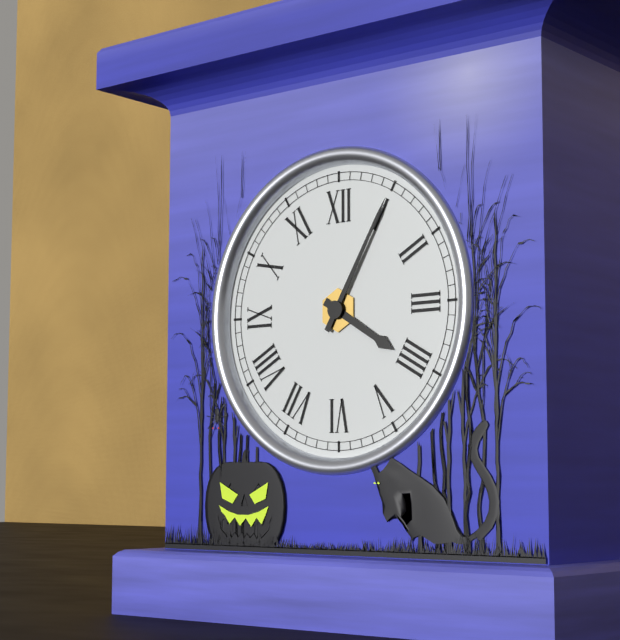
4:05
